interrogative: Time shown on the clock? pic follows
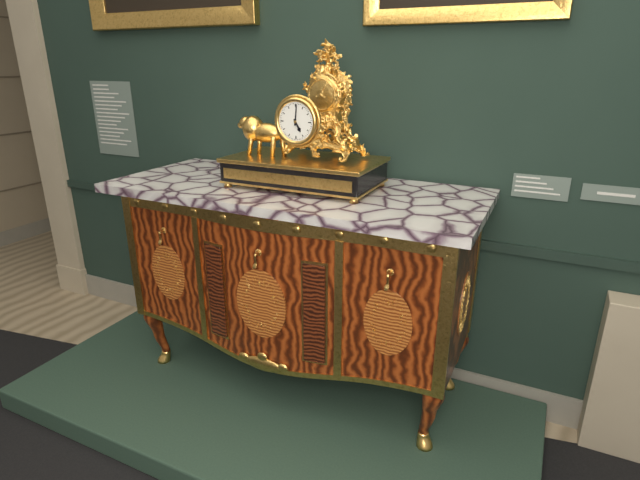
5:01
